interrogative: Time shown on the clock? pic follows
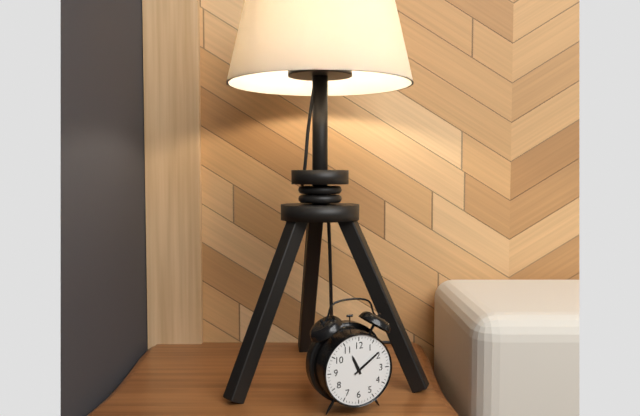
11:09
